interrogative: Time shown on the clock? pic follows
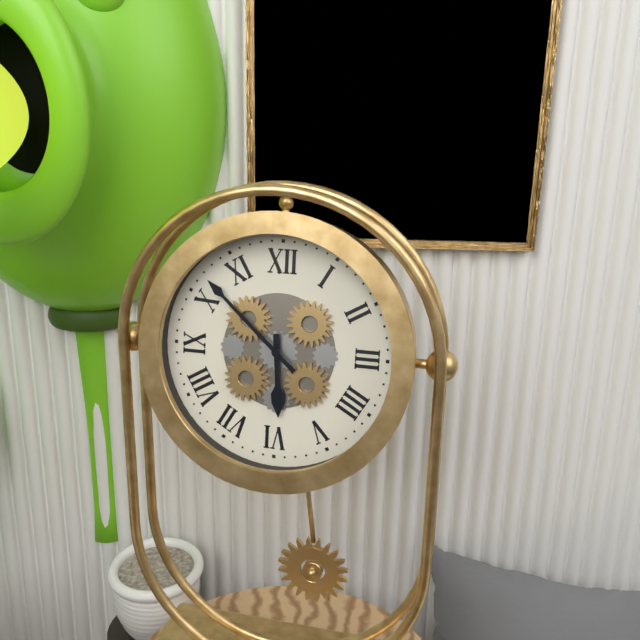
5:52
